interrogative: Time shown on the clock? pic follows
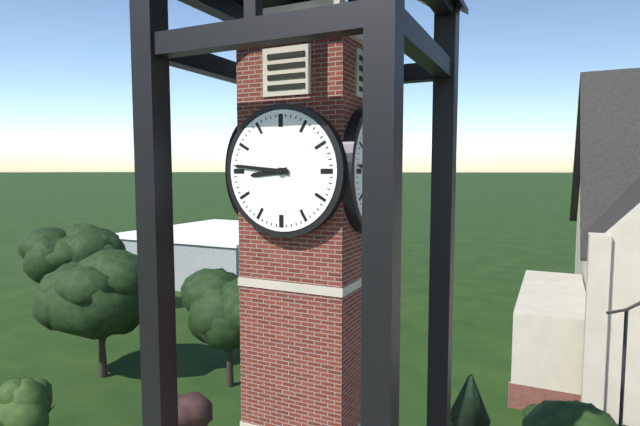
8:46
